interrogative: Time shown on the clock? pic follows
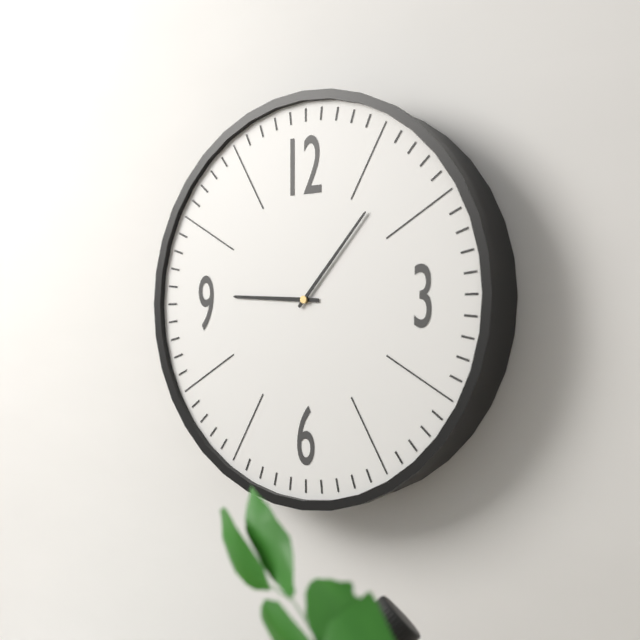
9:07
